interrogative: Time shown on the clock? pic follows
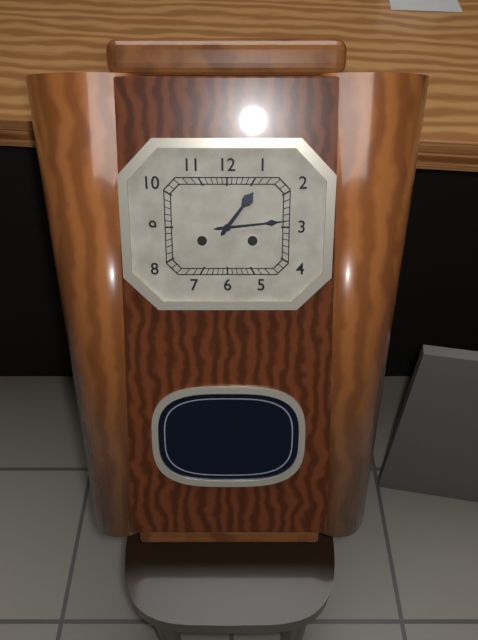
1:14
